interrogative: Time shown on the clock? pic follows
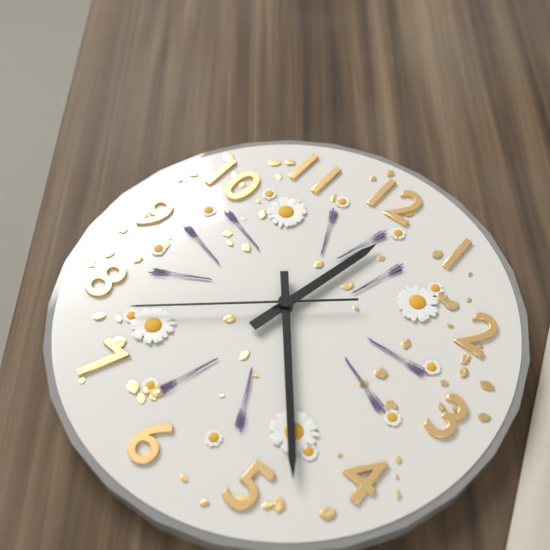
12:23:38
